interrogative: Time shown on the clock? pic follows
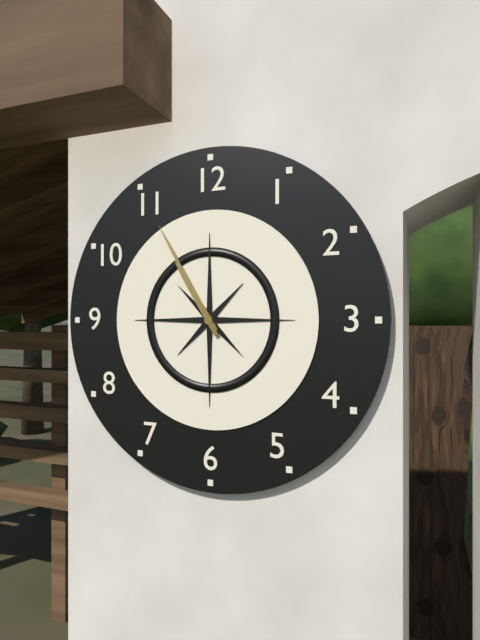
10:55
